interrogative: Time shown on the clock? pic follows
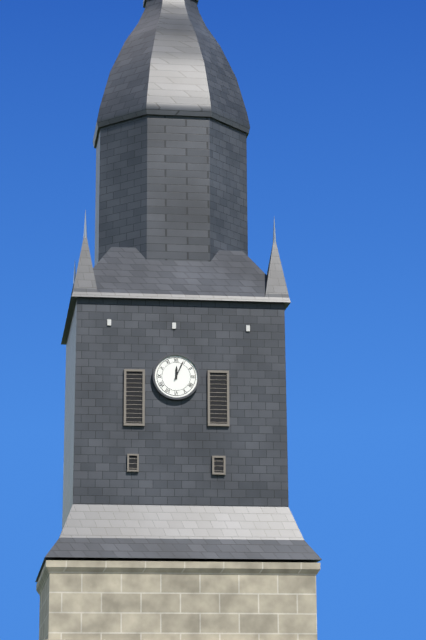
12:04
